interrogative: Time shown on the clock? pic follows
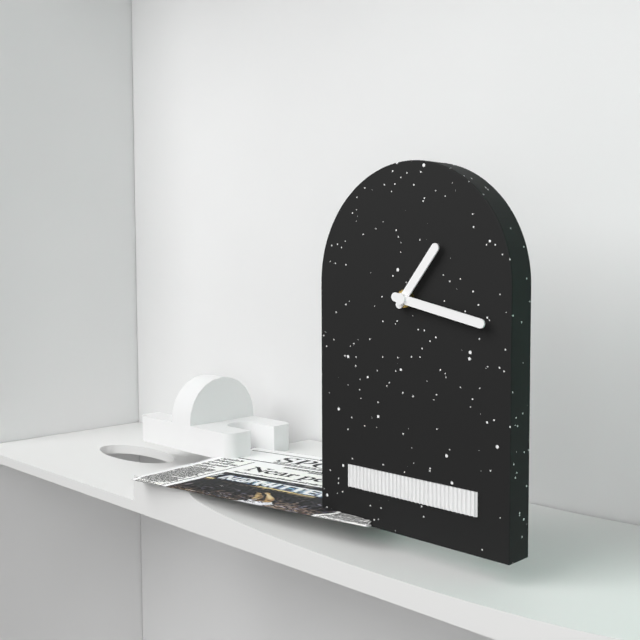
1:17
